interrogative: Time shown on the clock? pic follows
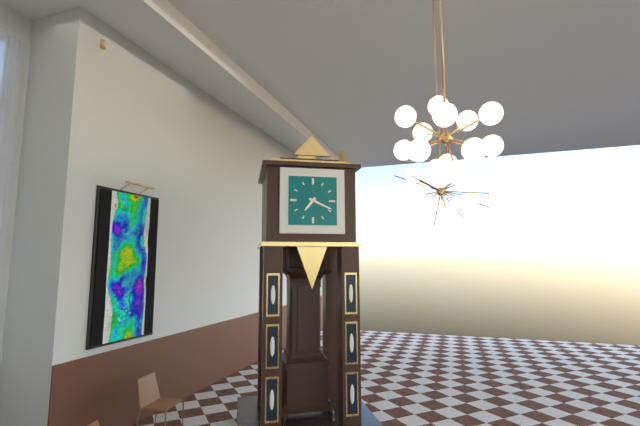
7:19
